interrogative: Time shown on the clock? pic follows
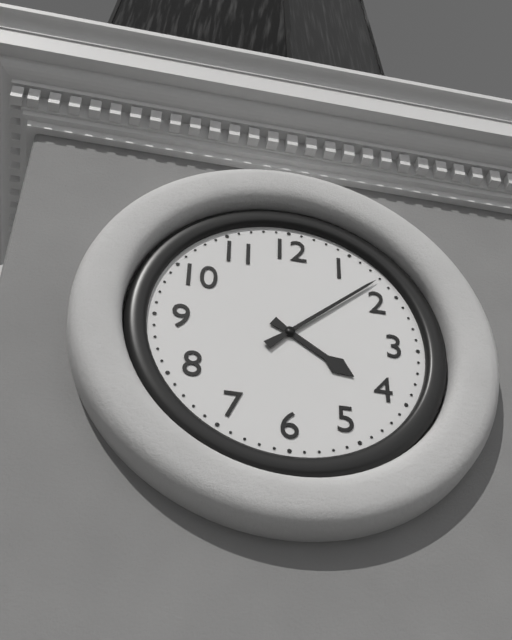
4:08
